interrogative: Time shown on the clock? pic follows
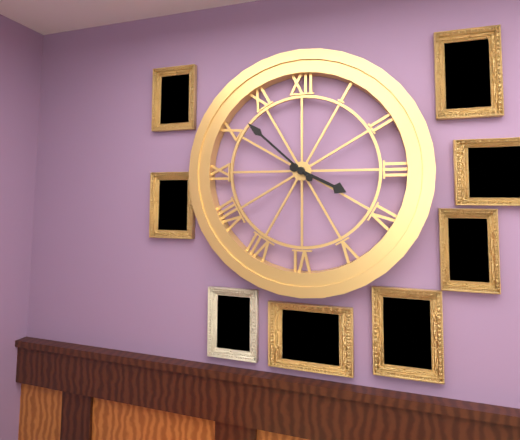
3:52
